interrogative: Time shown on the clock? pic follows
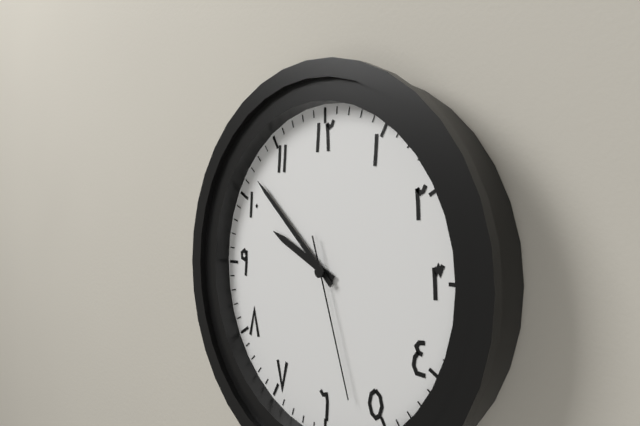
9:52:27
